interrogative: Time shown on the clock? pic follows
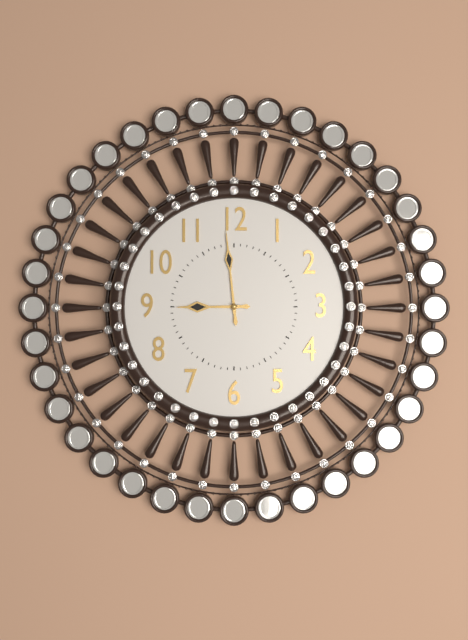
8:59
